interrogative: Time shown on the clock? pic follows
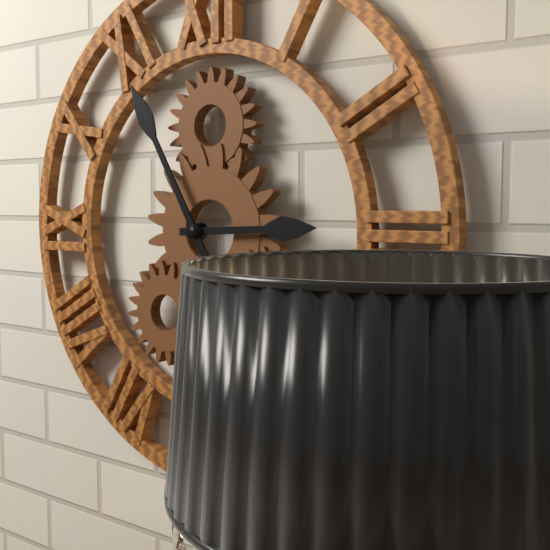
2:55
